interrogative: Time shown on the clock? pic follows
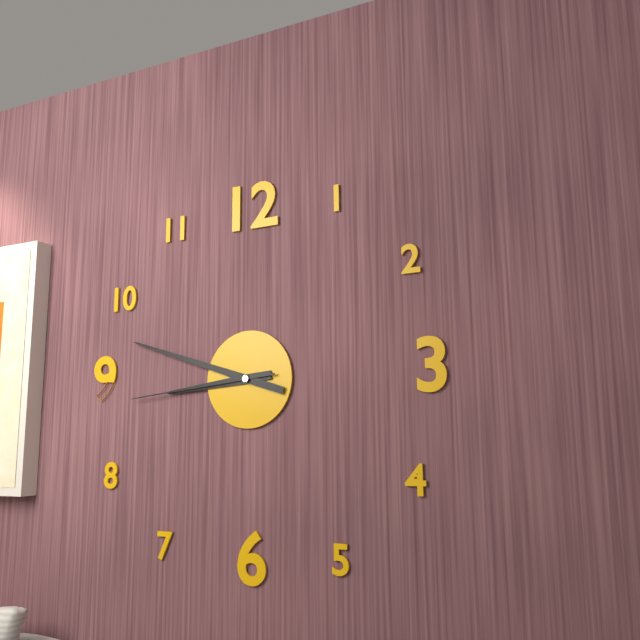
8:48:44
